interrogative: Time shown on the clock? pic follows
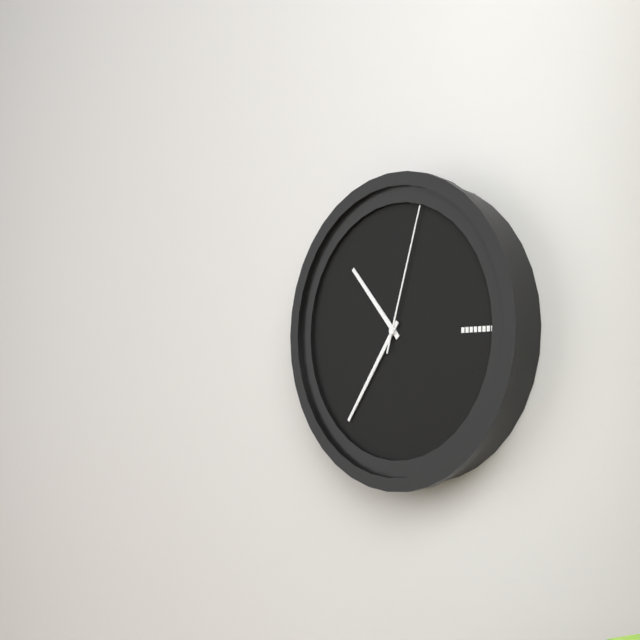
10:36:03
